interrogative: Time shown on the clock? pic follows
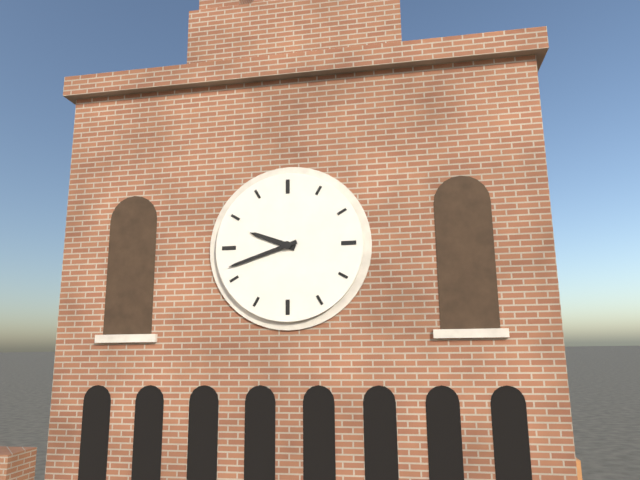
9:42
